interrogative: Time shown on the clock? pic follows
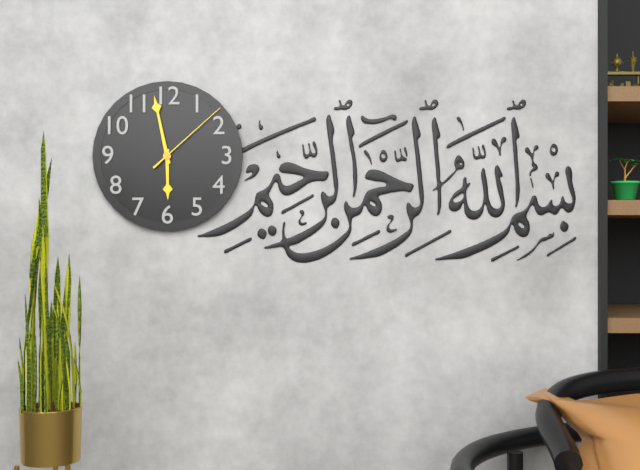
5:58:08
